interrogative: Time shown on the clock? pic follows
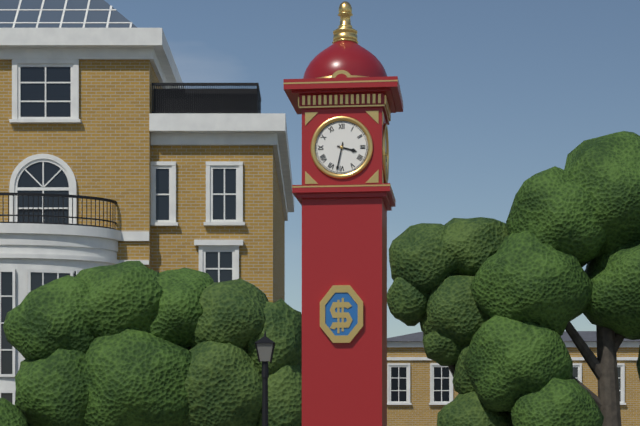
3:32
